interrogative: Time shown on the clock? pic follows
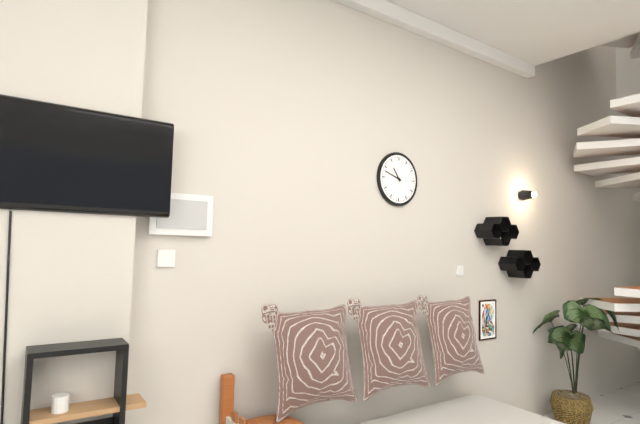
10:48
